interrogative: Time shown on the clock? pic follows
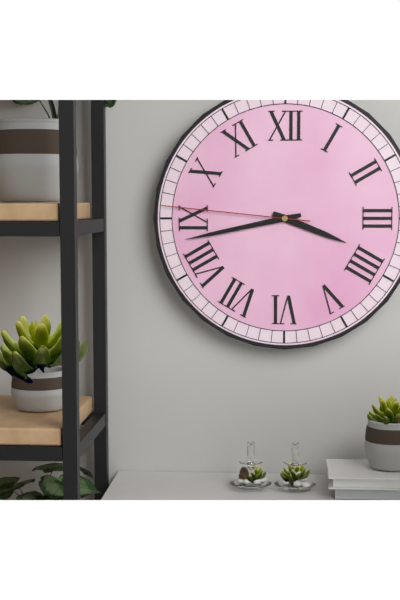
3:43:46
